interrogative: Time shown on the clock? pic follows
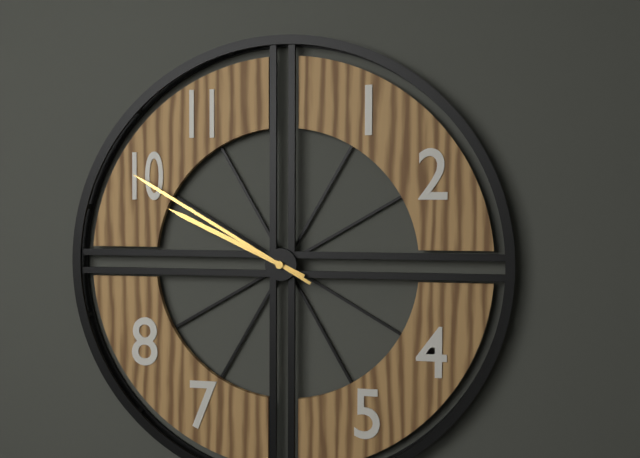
9:50
